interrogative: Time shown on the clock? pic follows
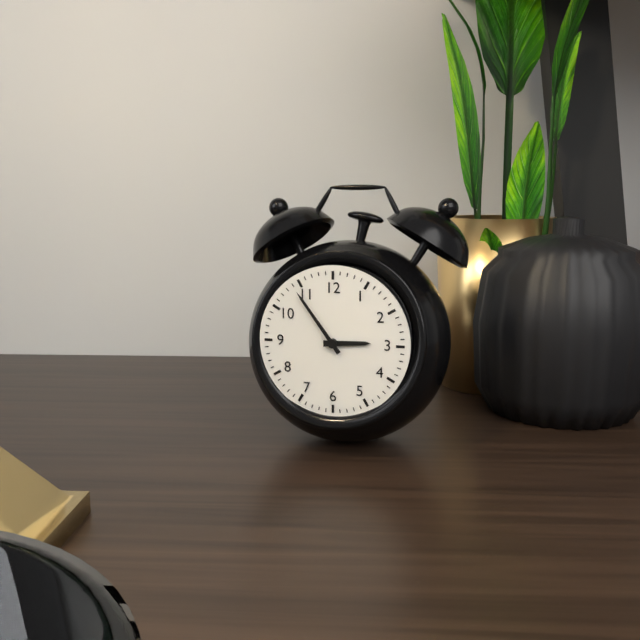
2:54
